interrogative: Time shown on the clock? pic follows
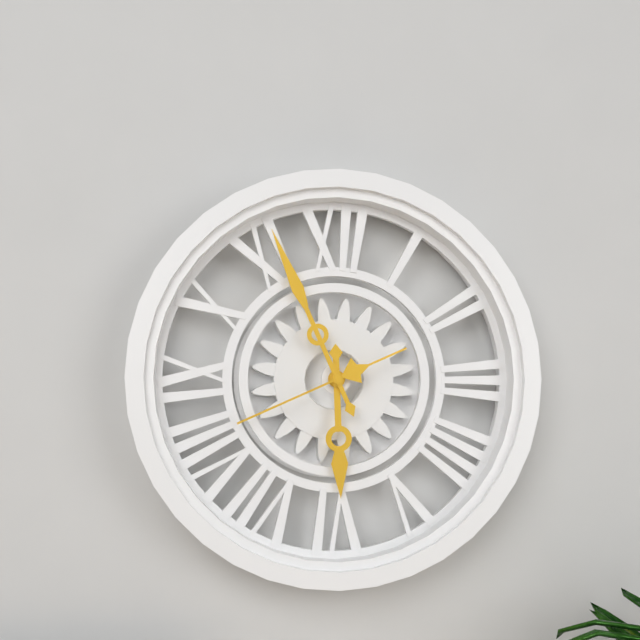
5:56:41
